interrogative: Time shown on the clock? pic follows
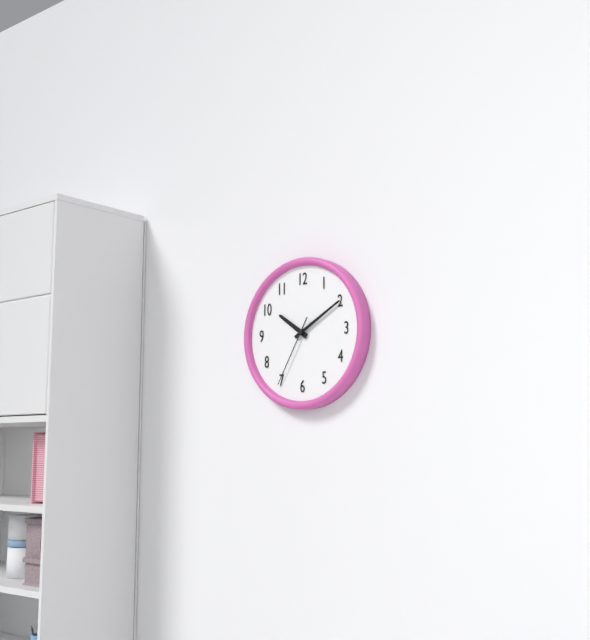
10:10:35
